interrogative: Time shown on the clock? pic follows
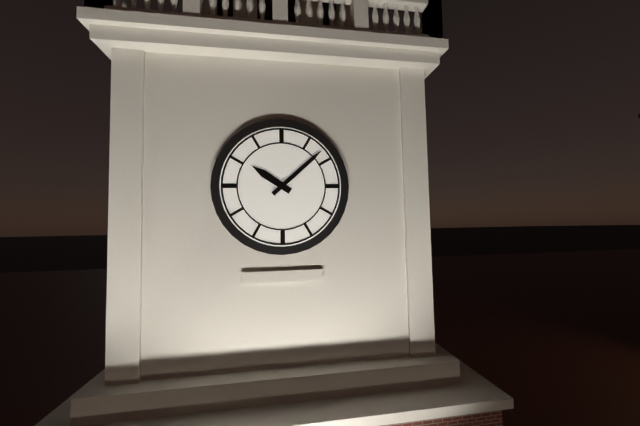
10:08
